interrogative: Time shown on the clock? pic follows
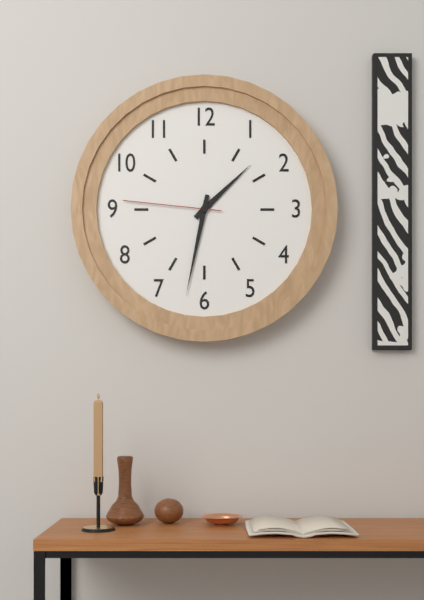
1:32:46
